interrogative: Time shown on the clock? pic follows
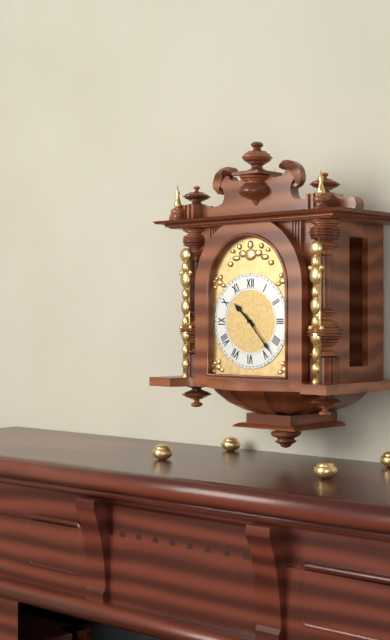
10:23
